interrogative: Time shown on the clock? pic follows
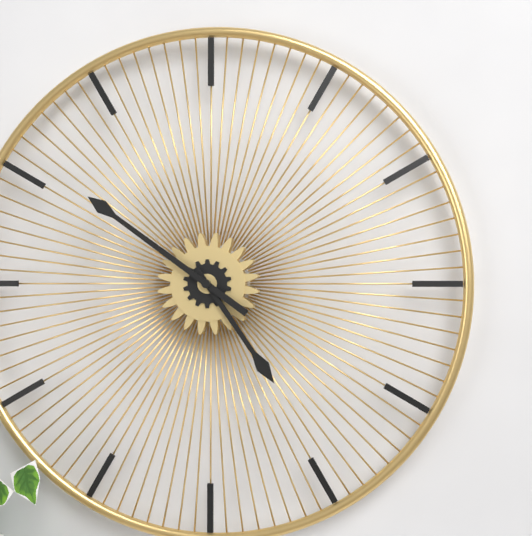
4:51
